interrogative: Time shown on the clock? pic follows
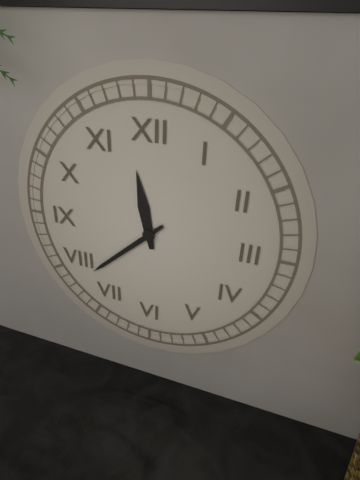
11:38
